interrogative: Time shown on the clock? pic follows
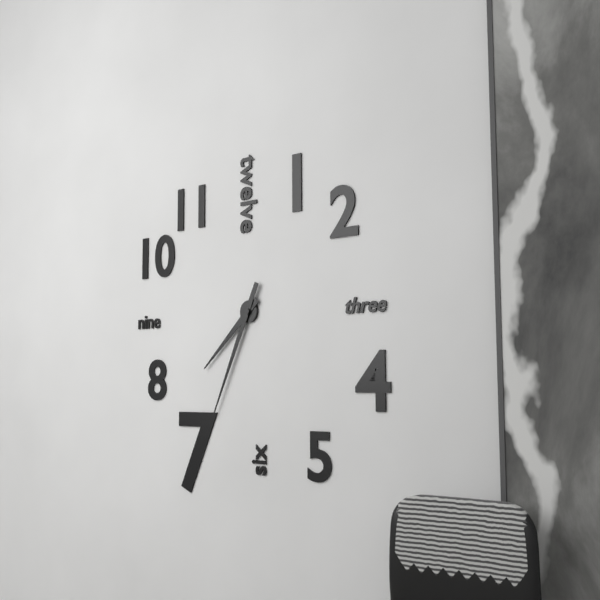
7:34
